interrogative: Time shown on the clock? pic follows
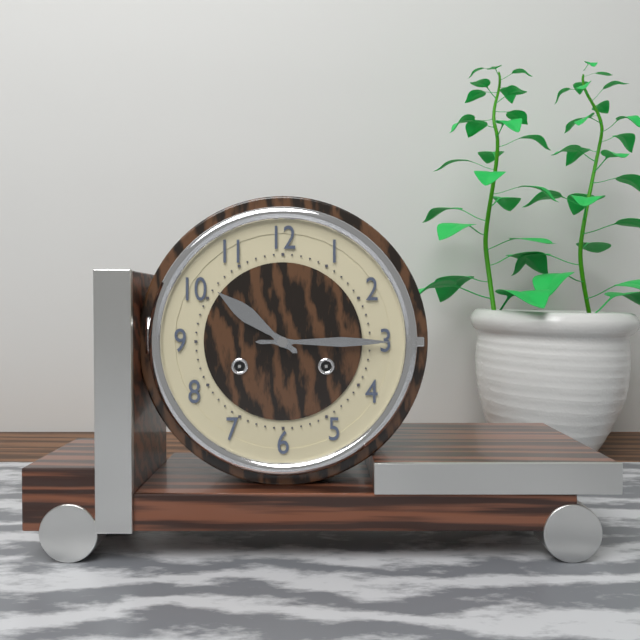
10:15
